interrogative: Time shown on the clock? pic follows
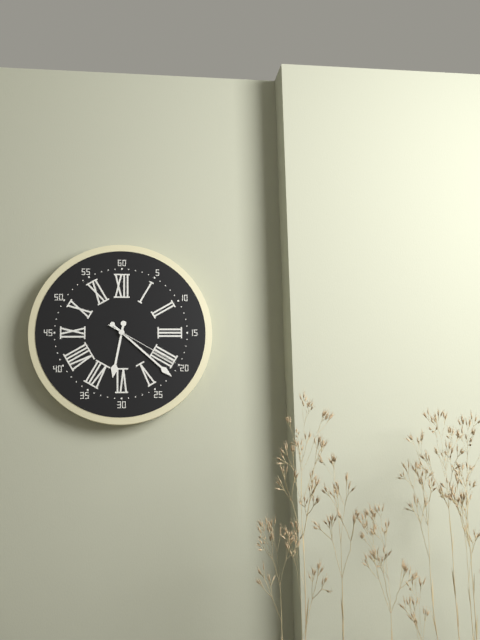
6:22:20
